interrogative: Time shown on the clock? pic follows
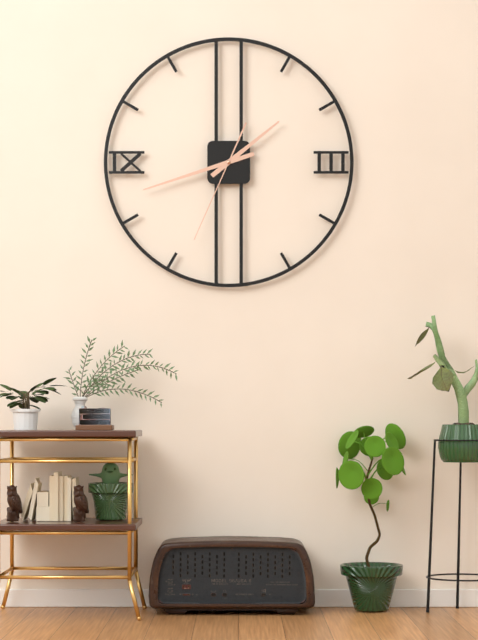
1:42:34
